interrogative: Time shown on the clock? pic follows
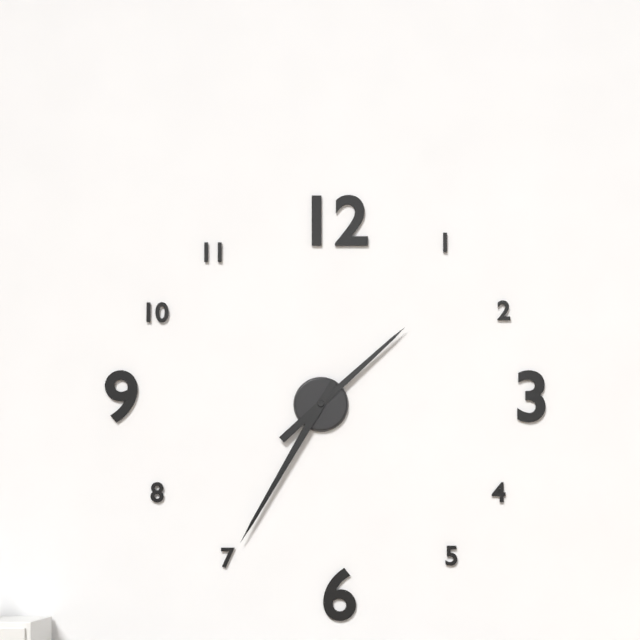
1:35
